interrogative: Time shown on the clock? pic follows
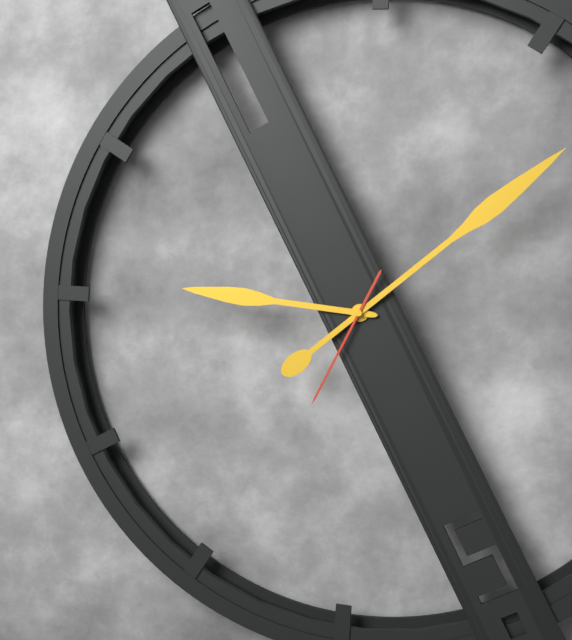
9:08:34
